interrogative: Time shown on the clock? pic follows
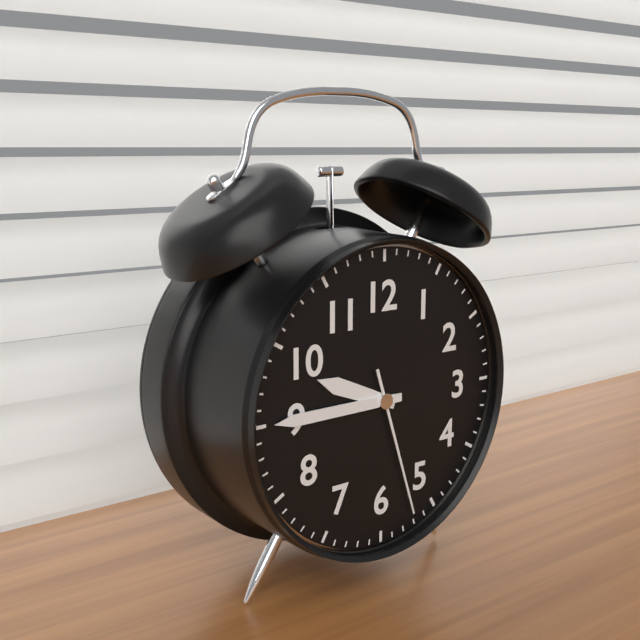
9:45:27
